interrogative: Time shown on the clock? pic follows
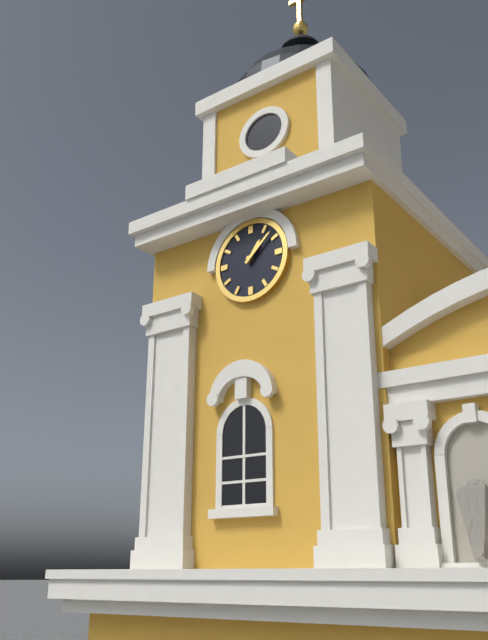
1:08
